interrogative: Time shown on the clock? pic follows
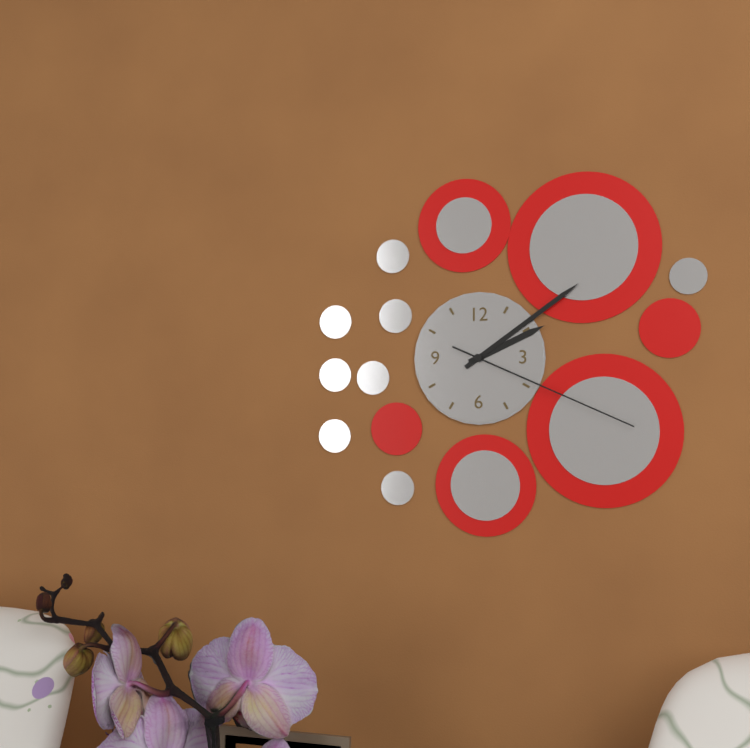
2:09:19
